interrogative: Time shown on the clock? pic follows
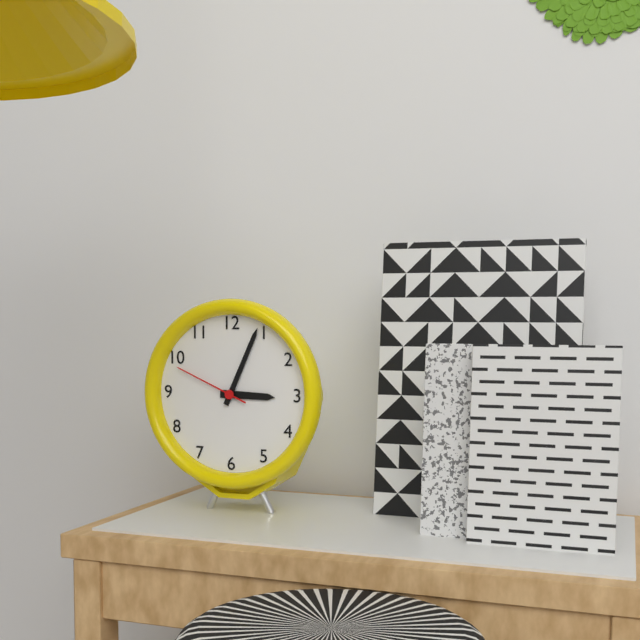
3:04:49
